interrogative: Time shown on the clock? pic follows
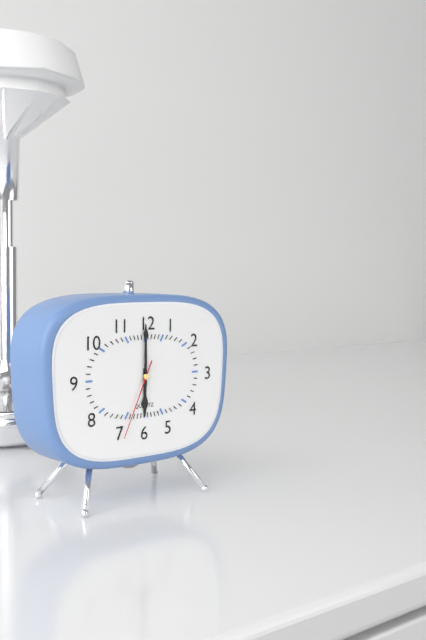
6:00:34
